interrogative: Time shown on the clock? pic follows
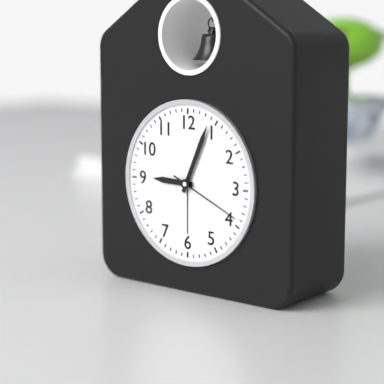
9:04:19
